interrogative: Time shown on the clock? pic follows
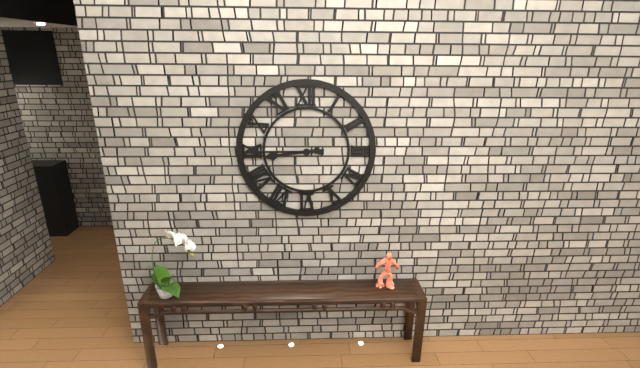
8:45
